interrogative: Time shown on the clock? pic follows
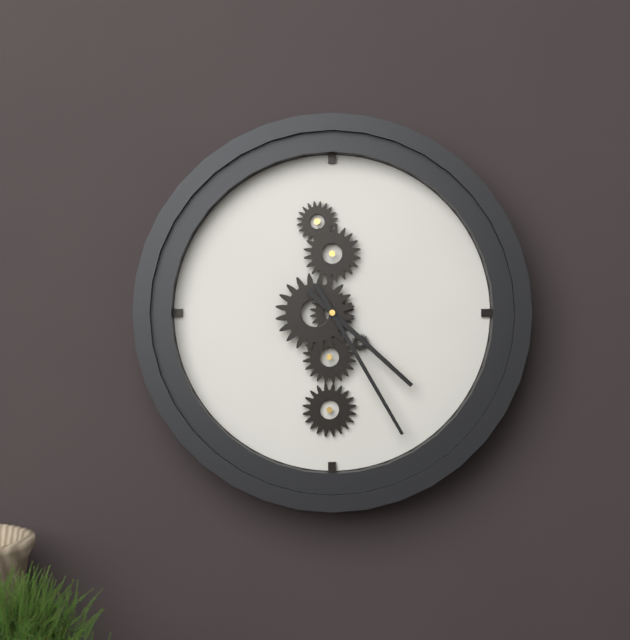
4:25
